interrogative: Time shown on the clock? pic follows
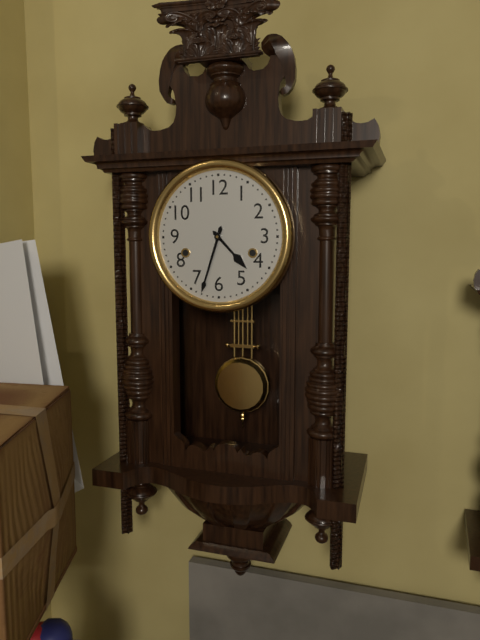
4:33
